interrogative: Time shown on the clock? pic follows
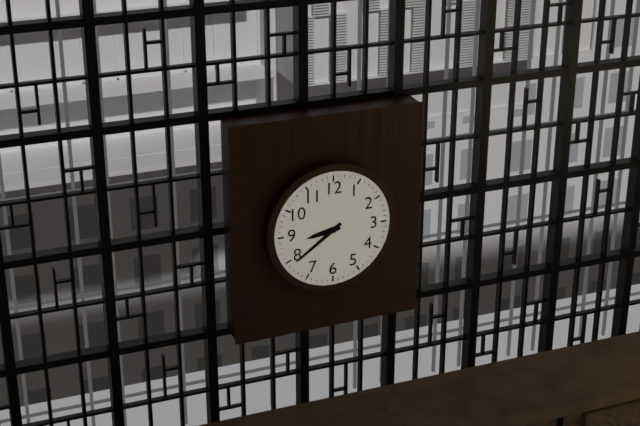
8:39
